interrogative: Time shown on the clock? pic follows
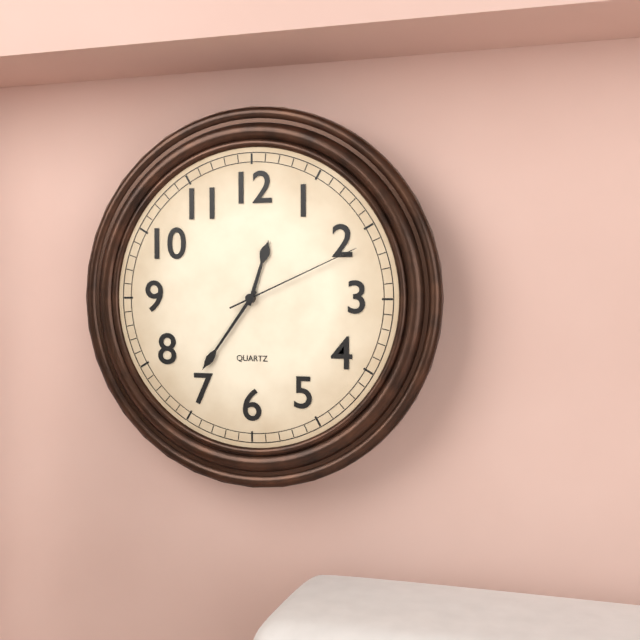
12:36:11
